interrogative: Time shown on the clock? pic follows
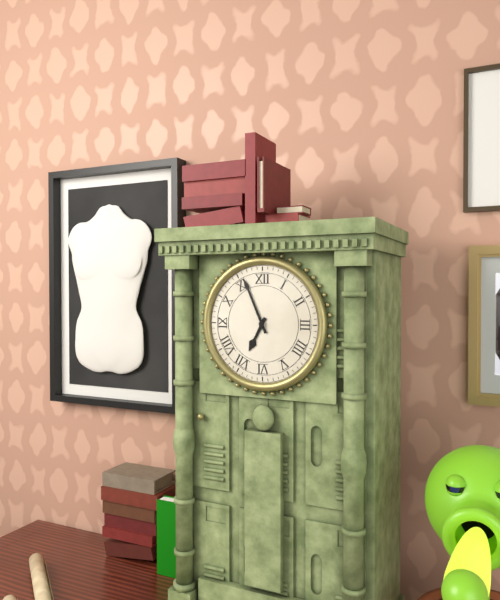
6:56
